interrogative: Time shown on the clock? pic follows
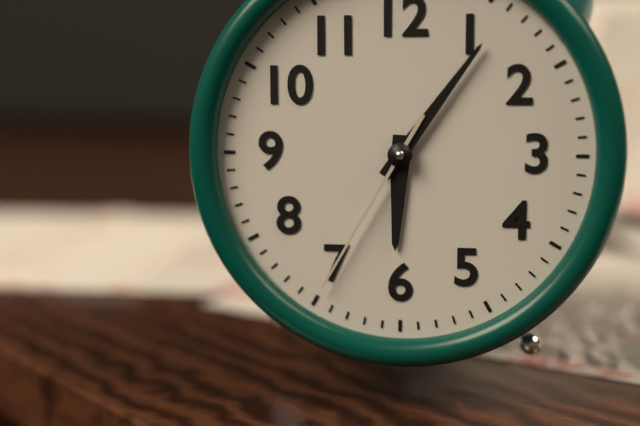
6:06:35
